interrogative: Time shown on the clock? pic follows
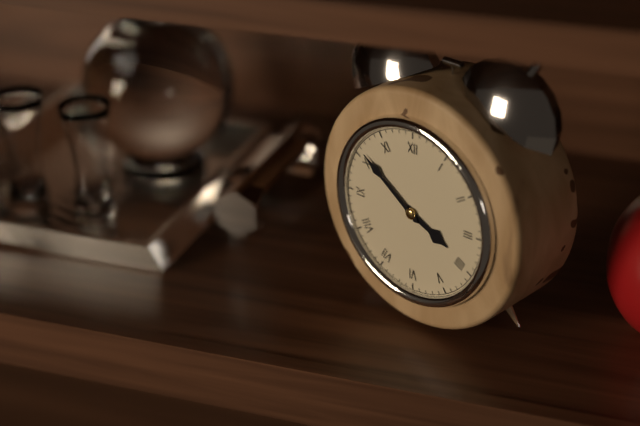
3:51
